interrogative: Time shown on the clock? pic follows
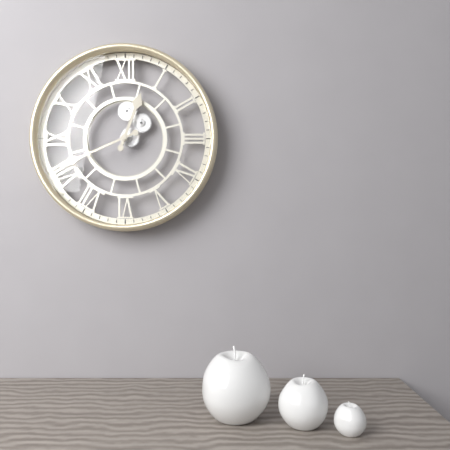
12:41
